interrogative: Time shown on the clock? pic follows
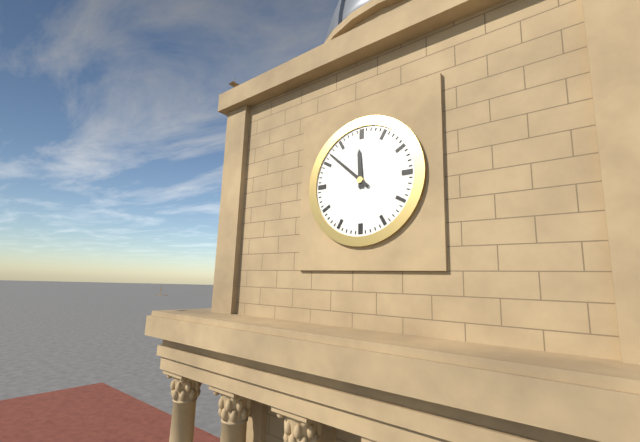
11:52
